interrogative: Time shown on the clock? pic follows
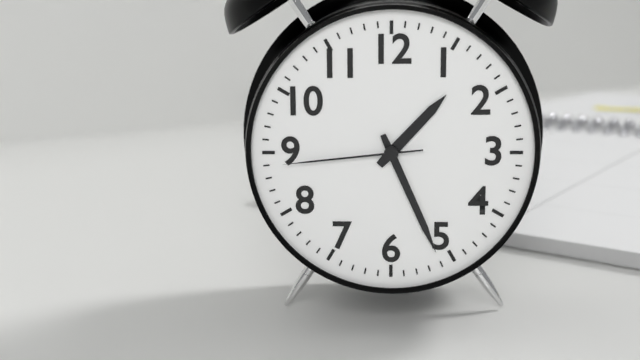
1:26:44
